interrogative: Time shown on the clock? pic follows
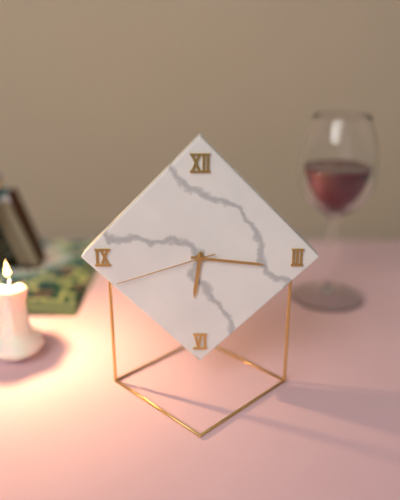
6:16:42
